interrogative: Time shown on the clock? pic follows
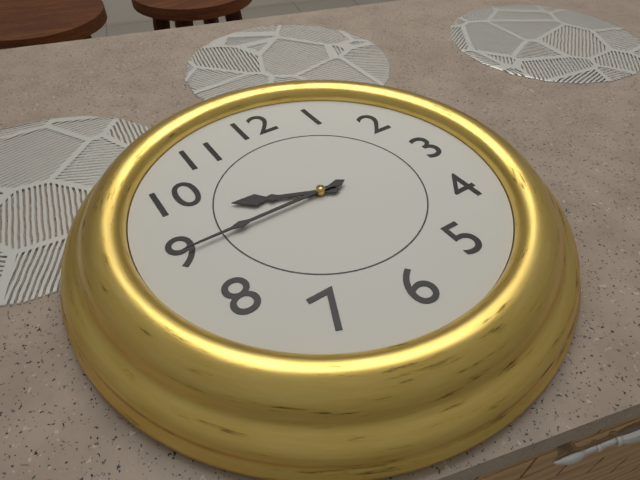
9:45
